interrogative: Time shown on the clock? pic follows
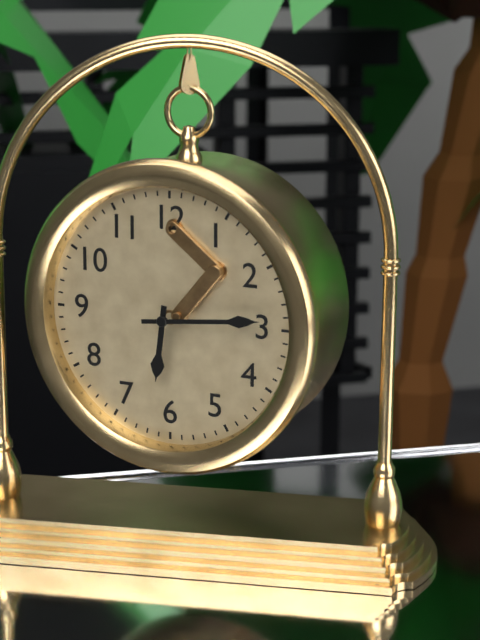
6:14
